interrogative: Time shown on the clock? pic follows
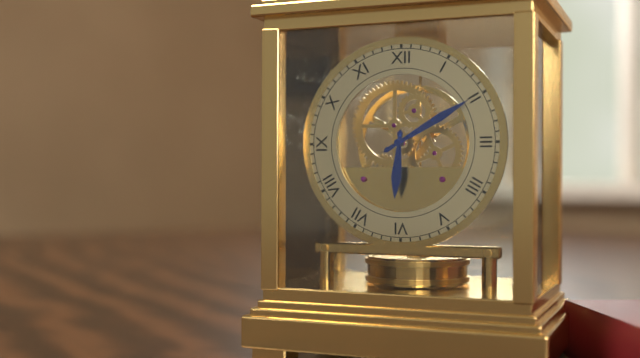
6:10
